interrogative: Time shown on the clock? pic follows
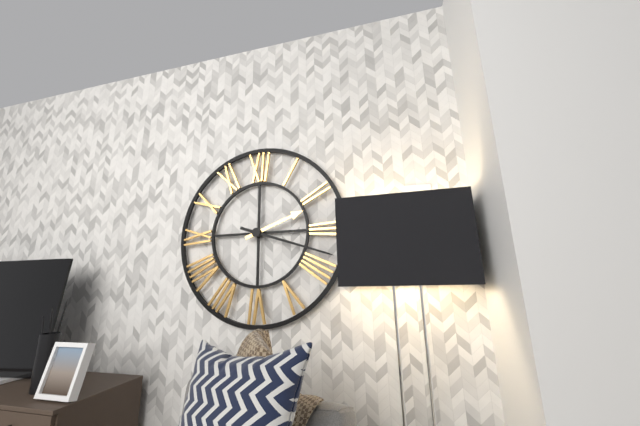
2:18
